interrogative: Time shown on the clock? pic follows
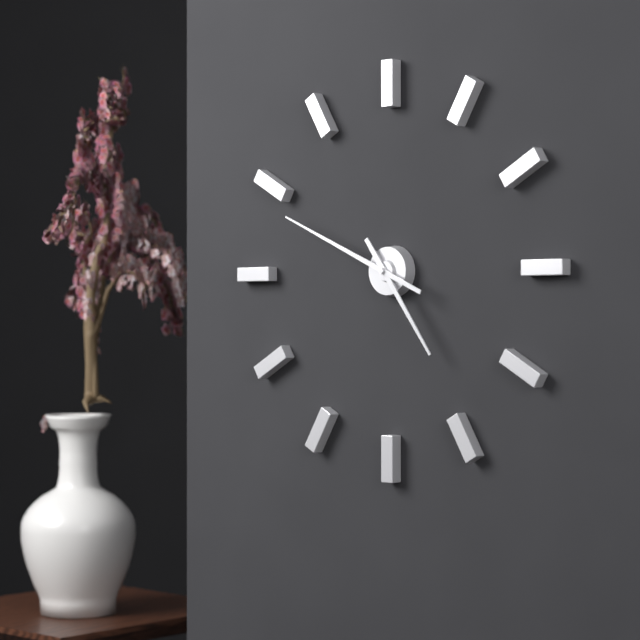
4:49
